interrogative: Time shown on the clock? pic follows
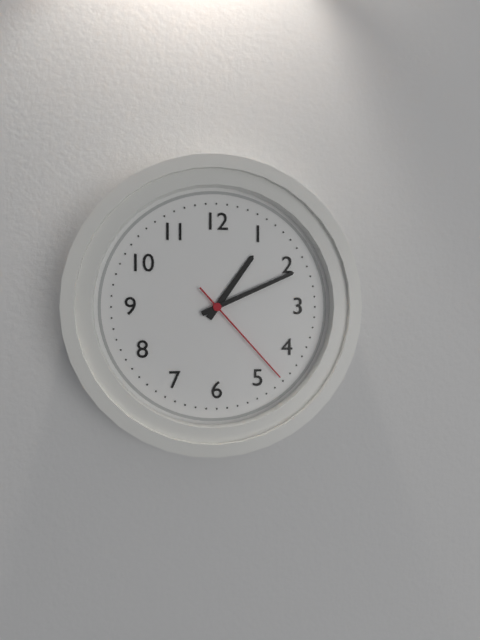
1:11:23
